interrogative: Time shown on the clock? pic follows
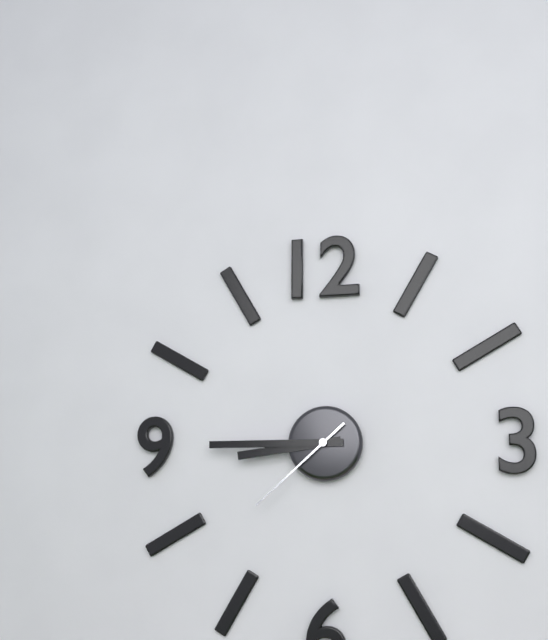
8:45:38
